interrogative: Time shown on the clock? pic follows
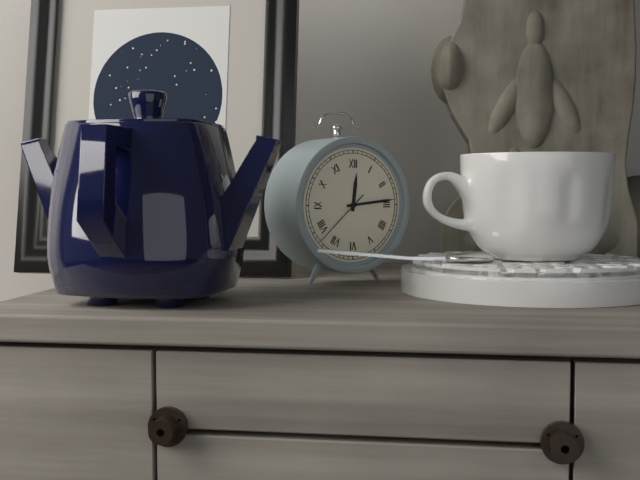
12:14:38
